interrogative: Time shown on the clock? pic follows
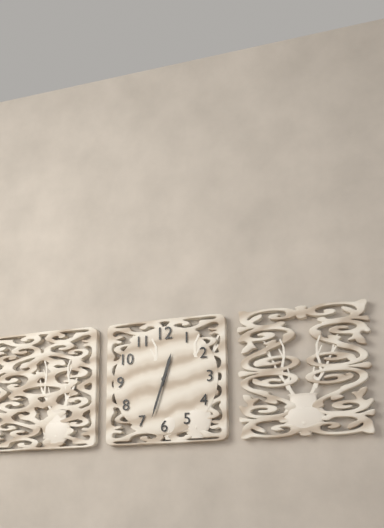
12:33
